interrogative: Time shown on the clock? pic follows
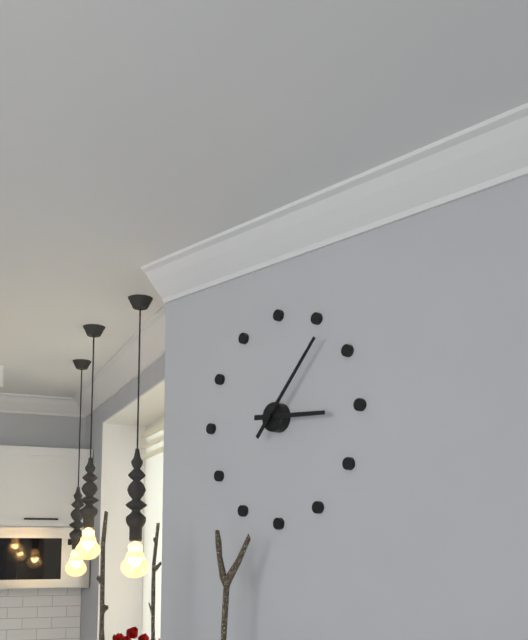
3:07
